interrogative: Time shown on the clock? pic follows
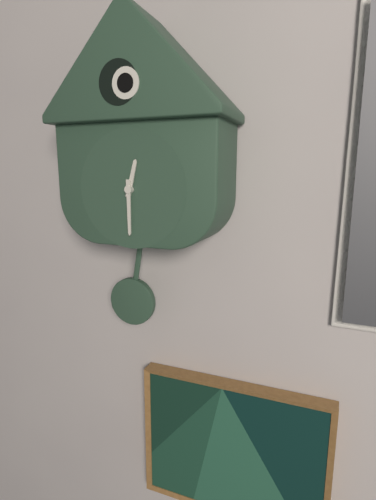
12:30
